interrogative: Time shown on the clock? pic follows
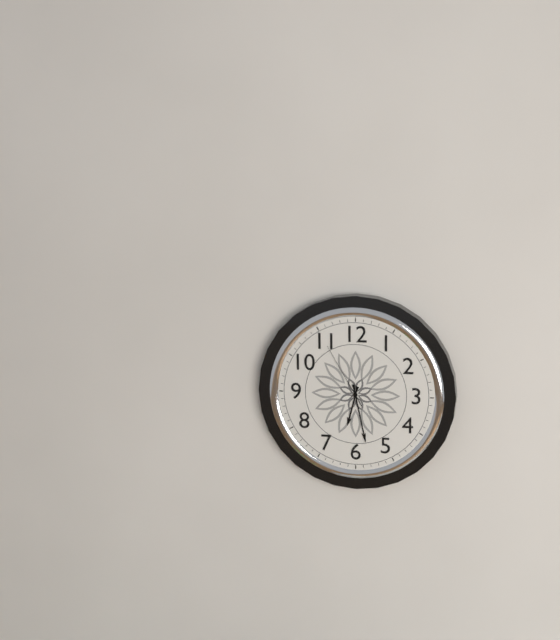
6:28:55
